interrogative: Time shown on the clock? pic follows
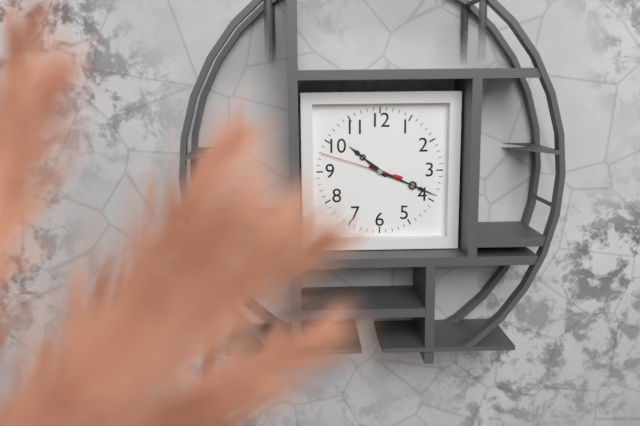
10:19:48
